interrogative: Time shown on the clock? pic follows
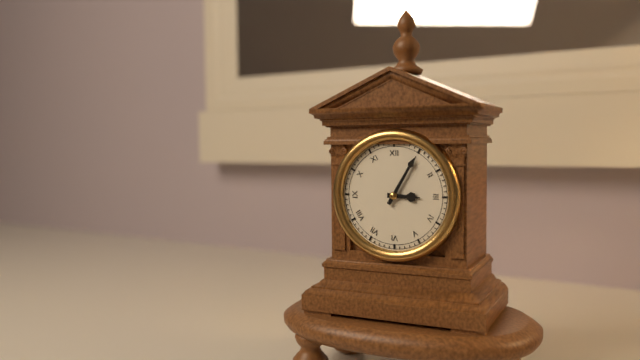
3:05
